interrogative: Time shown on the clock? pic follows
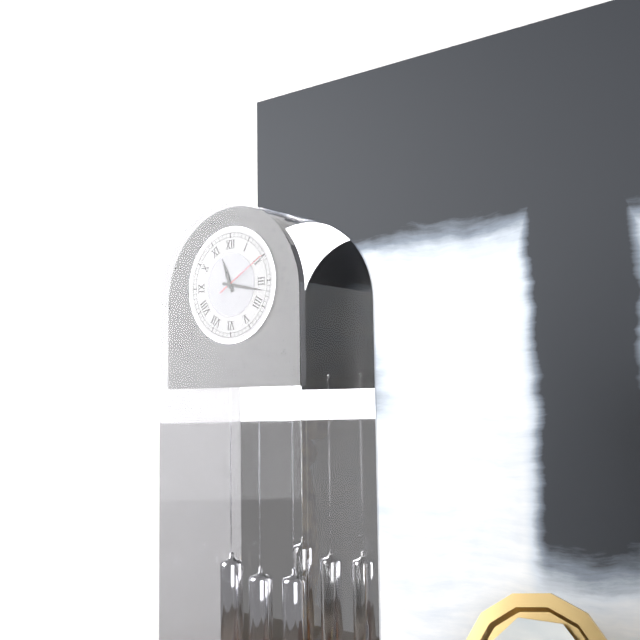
11:17:10
